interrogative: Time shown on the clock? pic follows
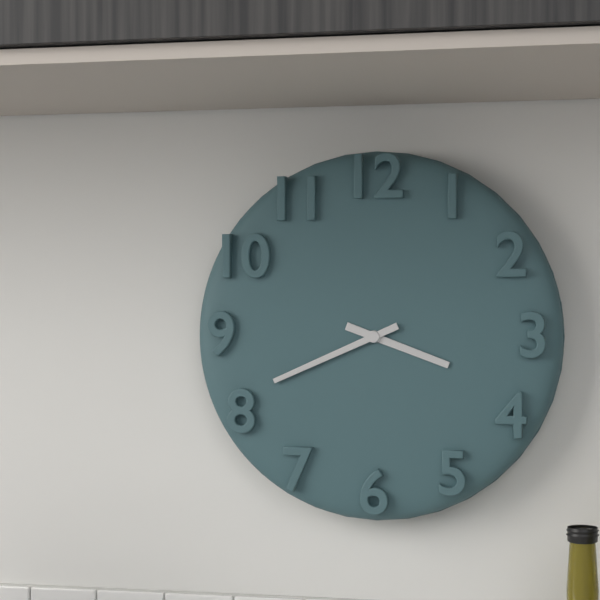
3:41
